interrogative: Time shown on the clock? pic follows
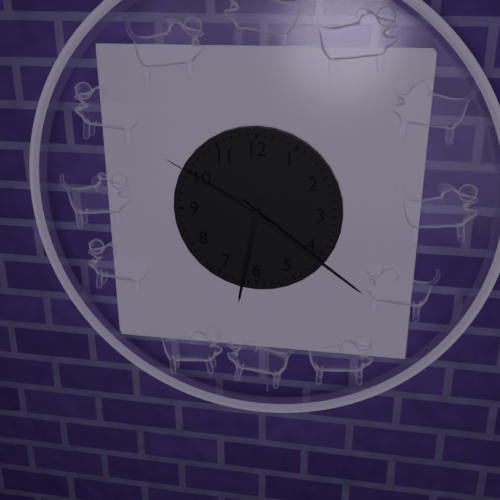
6:21:50
